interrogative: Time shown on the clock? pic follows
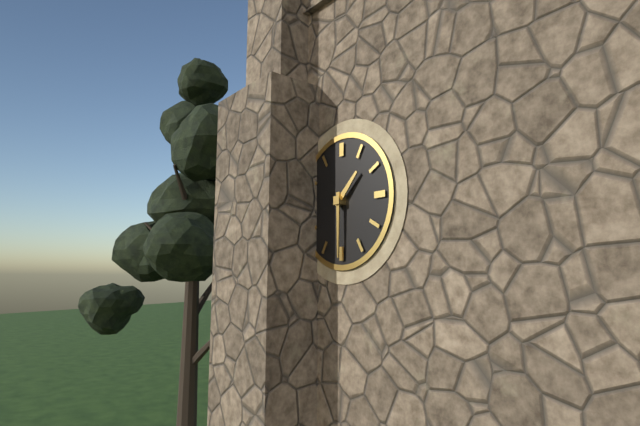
1:30
